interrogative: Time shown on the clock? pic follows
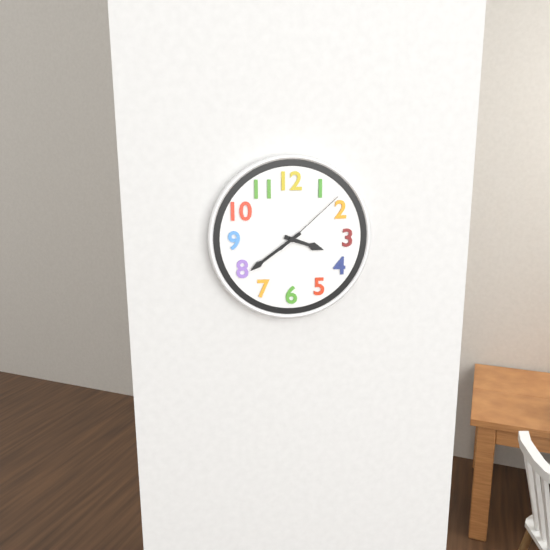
3:39:08
